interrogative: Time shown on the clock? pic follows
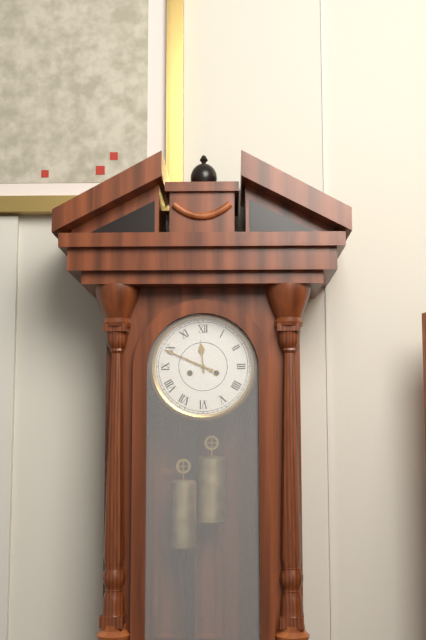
11:49
